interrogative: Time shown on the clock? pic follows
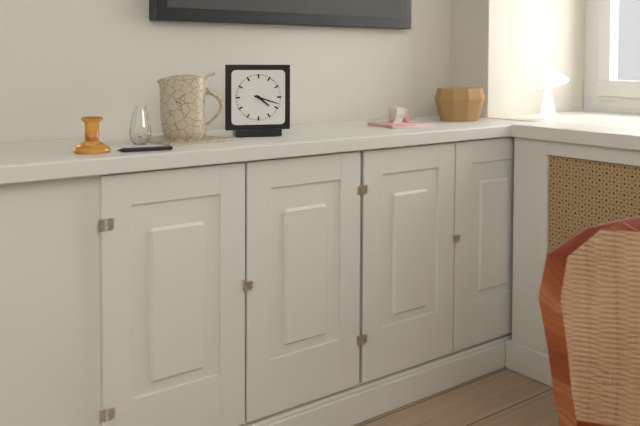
4:18
